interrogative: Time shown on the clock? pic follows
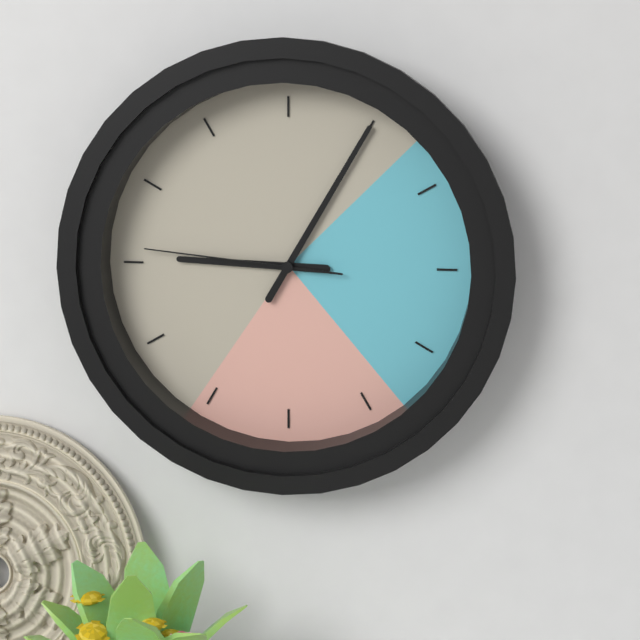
9:05:46
